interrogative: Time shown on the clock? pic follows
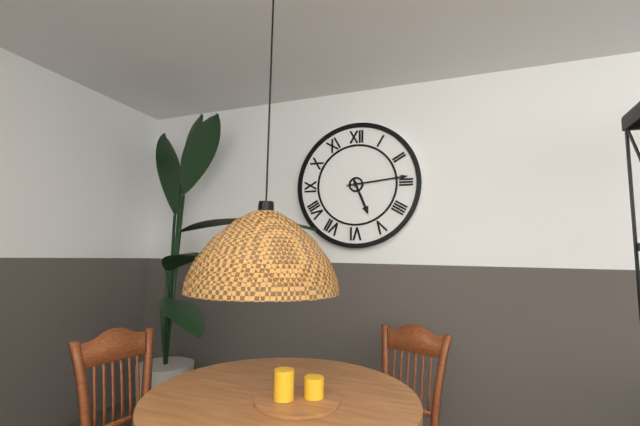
5:14
